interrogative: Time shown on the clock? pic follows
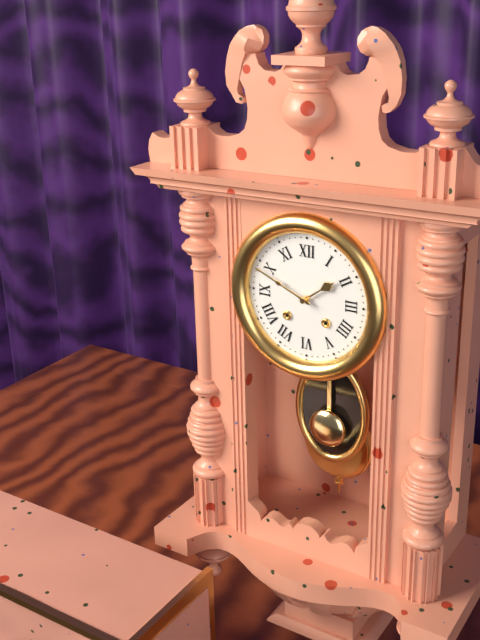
1:49
